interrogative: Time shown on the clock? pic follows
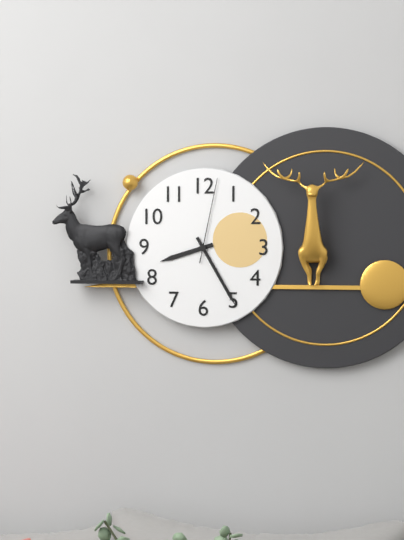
8:25:02
